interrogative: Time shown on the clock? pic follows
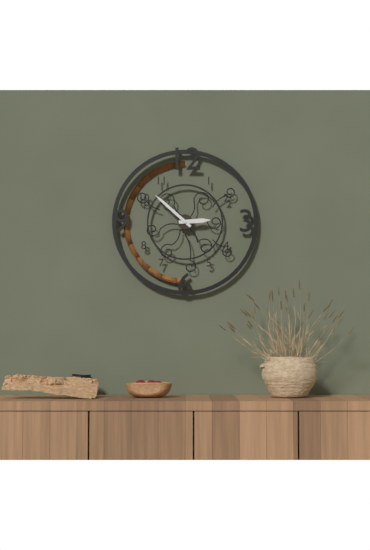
2:52
